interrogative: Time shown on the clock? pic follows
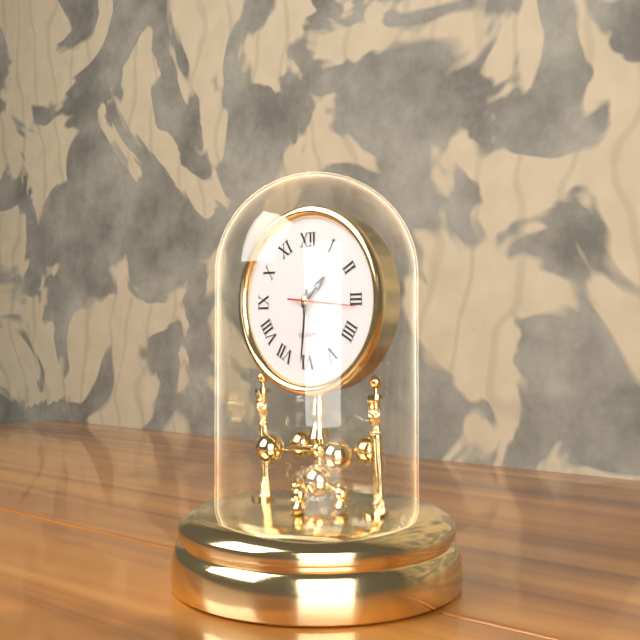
1:31:16
